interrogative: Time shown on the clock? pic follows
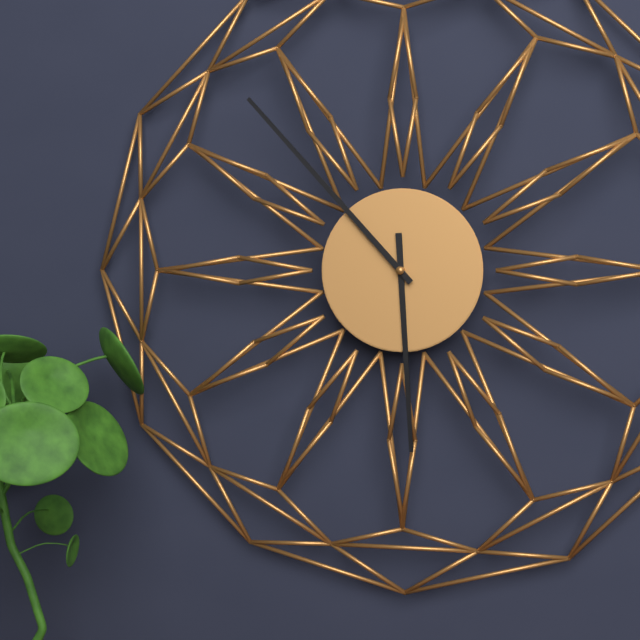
5:53
